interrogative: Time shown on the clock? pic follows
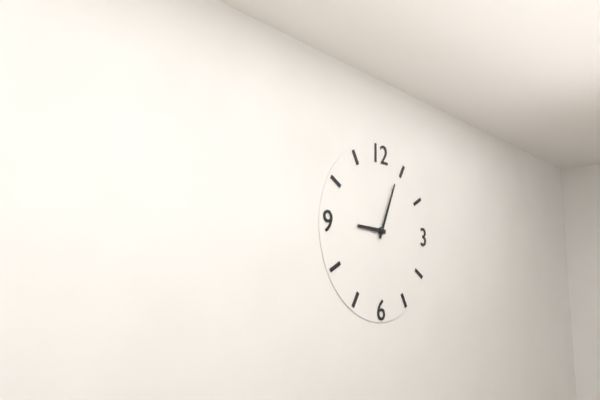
9:04
